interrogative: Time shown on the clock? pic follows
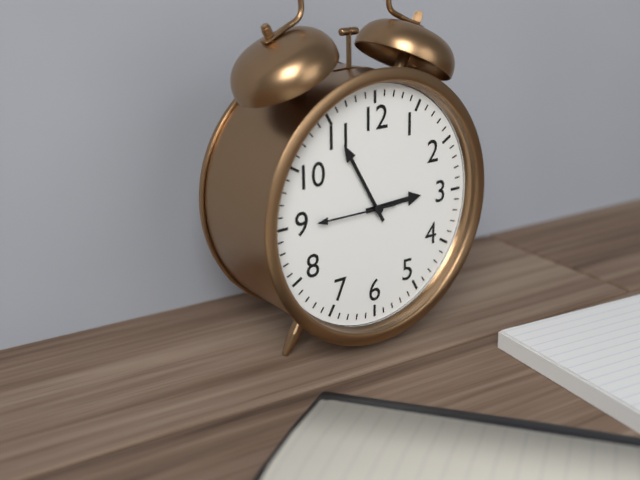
2:55:45
